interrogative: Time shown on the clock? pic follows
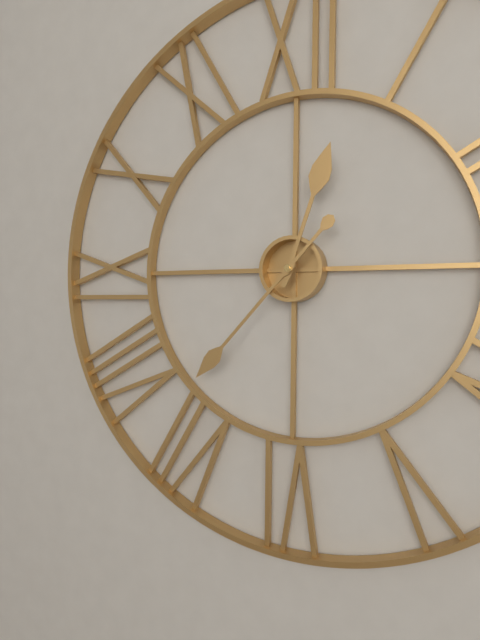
12:37
